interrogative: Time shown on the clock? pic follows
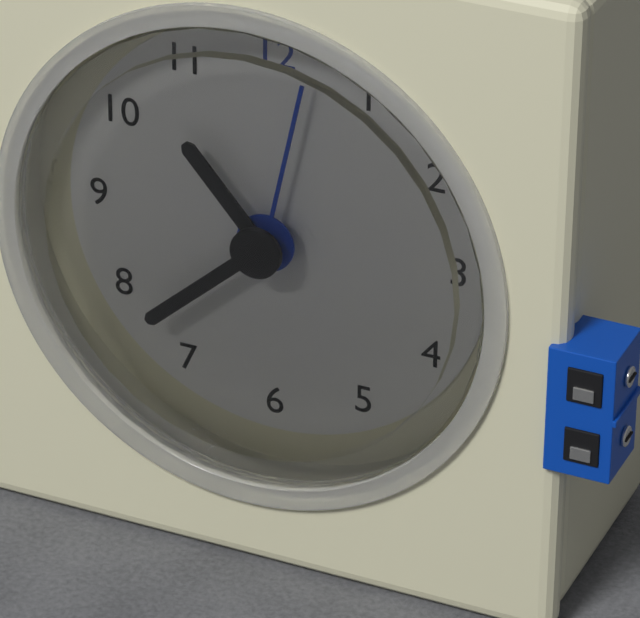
10:38:02
